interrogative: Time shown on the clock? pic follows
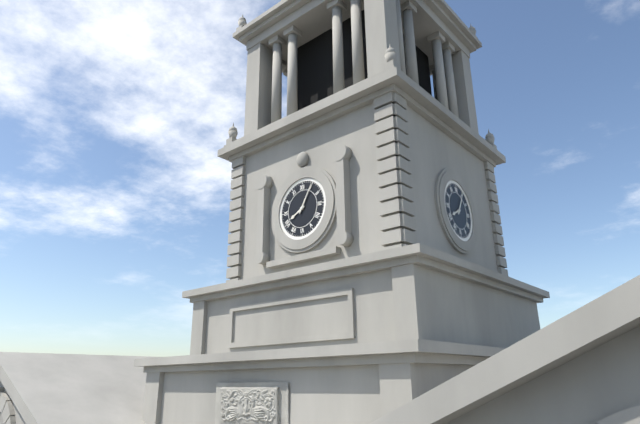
8:05
